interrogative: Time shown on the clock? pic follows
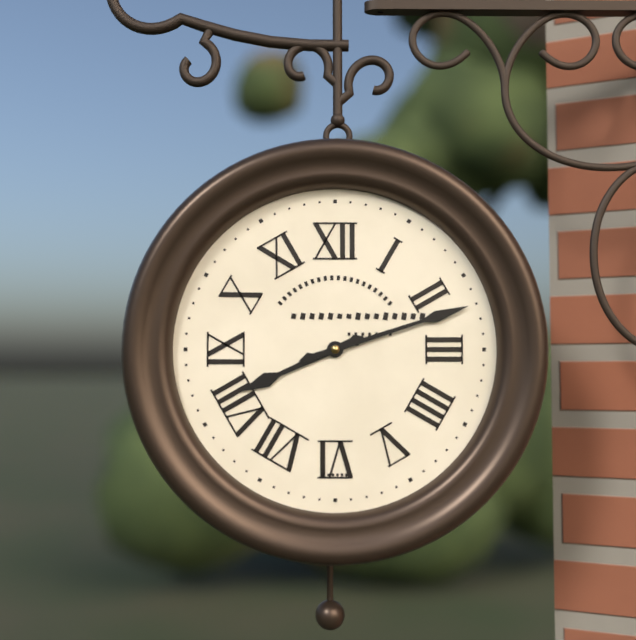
8:12
